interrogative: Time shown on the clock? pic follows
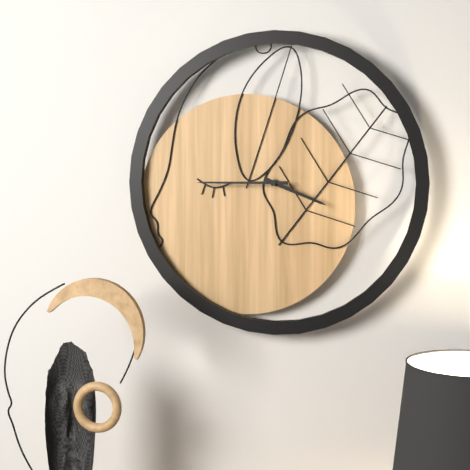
3:45
